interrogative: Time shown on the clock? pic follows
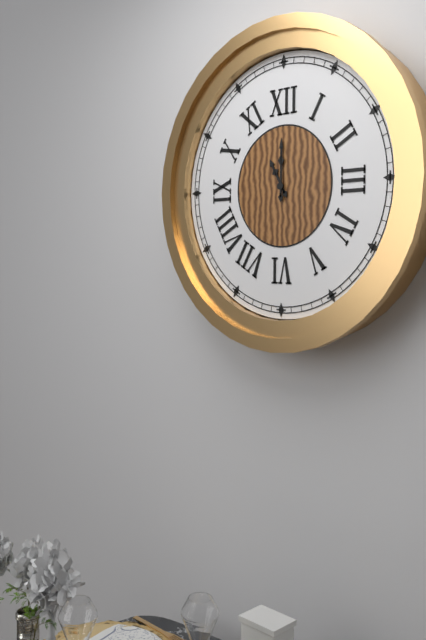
11:00
